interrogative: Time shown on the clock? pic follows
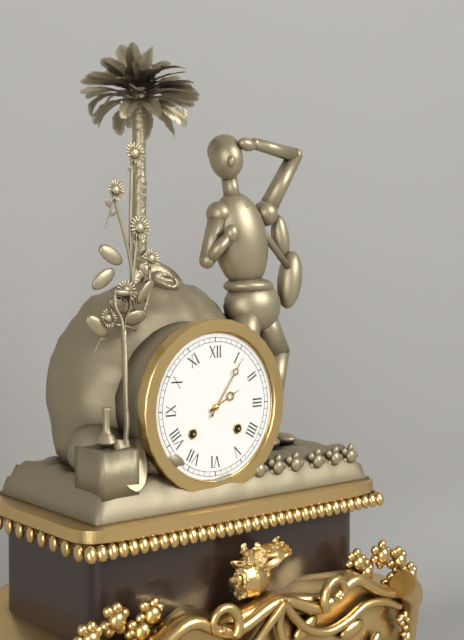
2:06
